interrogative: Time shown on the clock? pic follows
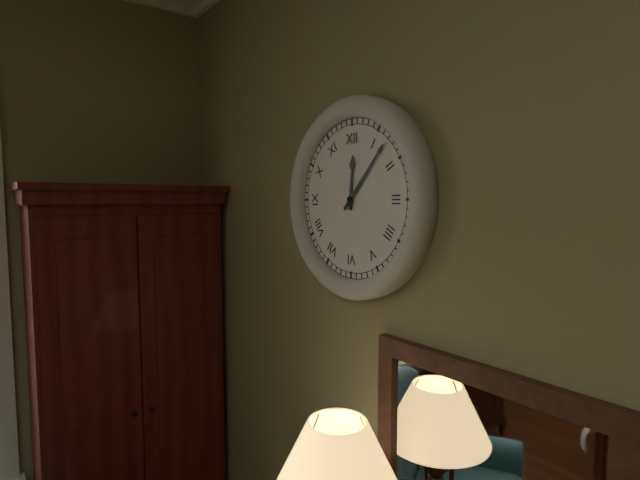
12:07
